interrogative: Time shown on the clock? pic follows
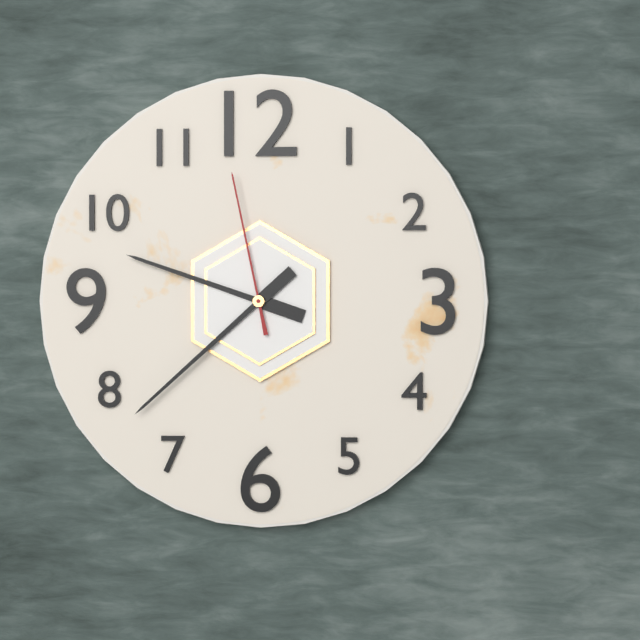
9:38:58
